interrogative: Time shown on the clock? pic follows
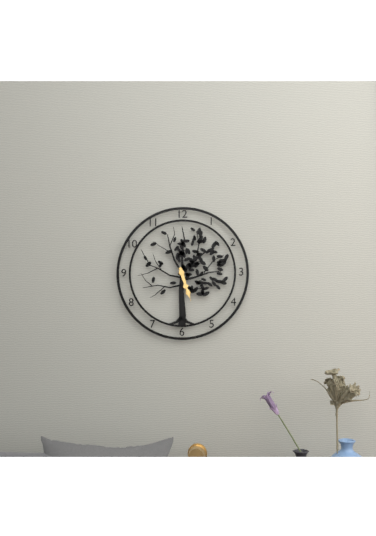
5:27
